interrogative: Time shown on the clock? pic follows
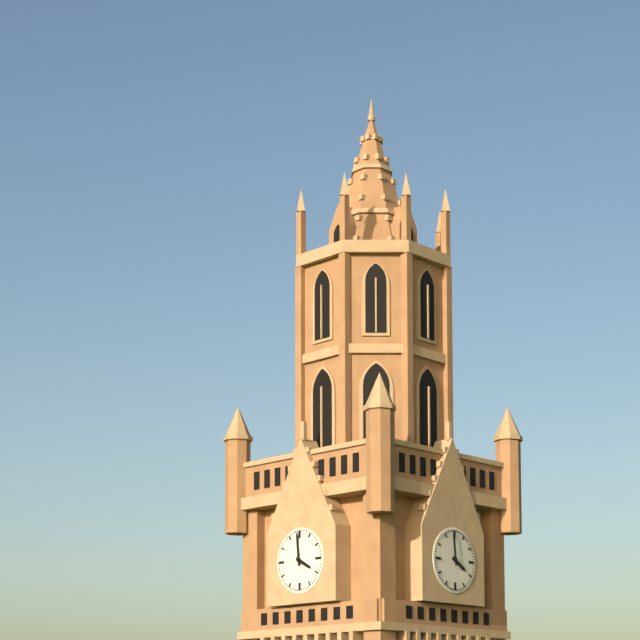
3:59
